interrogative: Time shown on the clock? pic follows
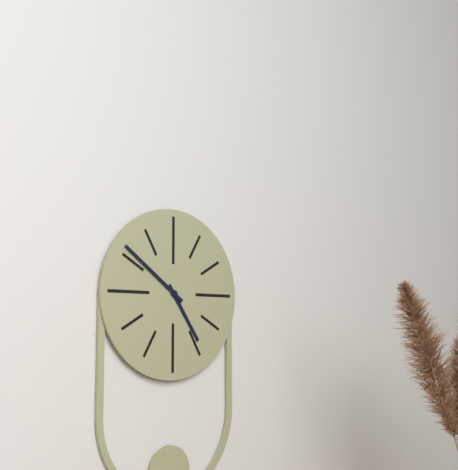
4:51
